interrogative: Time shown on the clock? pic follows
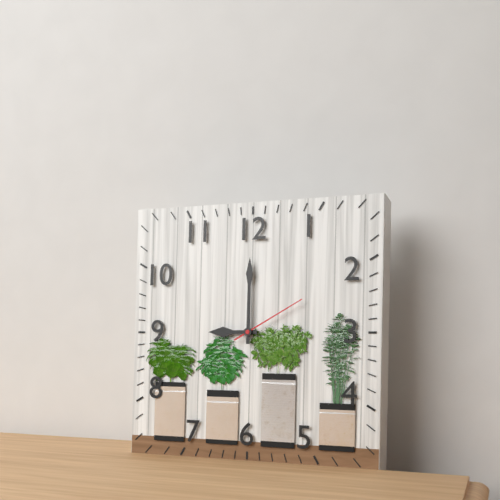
9:00:10
